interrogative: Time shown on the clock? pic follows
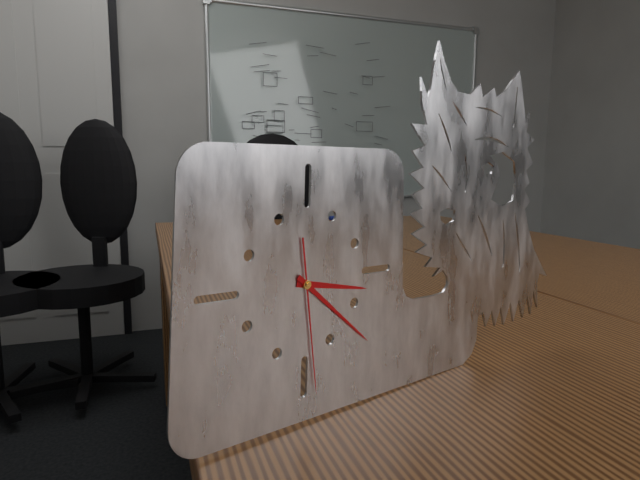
3:22:29
